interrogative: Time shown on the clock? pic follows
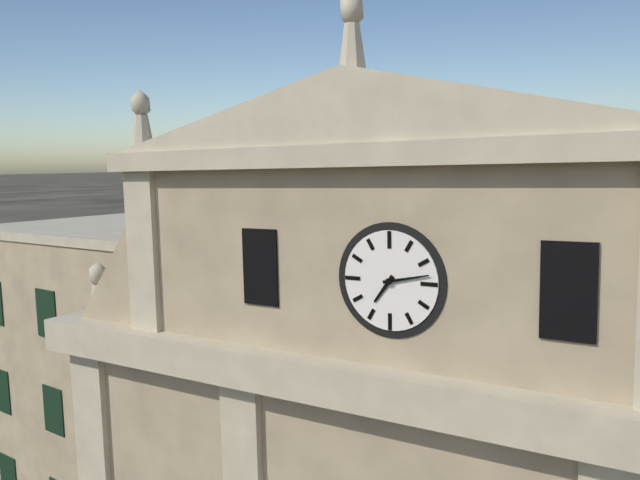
7:13
